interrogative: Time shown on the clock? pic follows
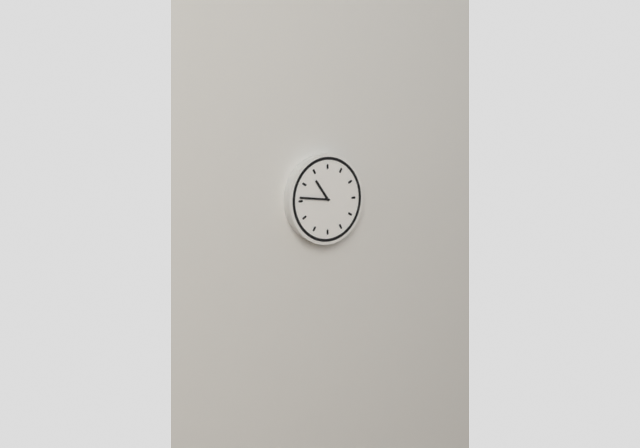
10:46
